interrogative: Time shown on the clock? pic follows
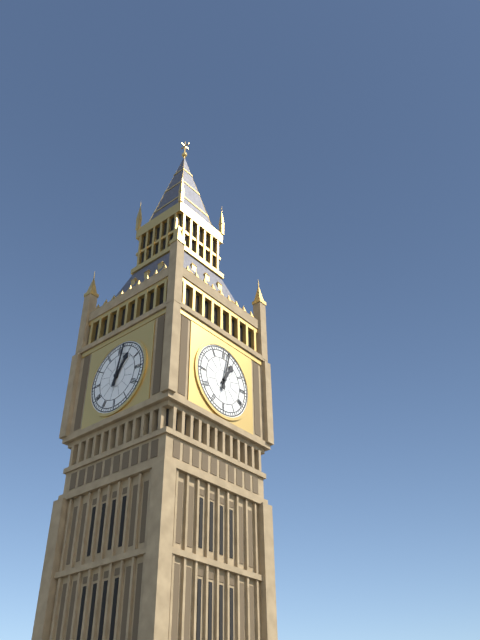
1:02
